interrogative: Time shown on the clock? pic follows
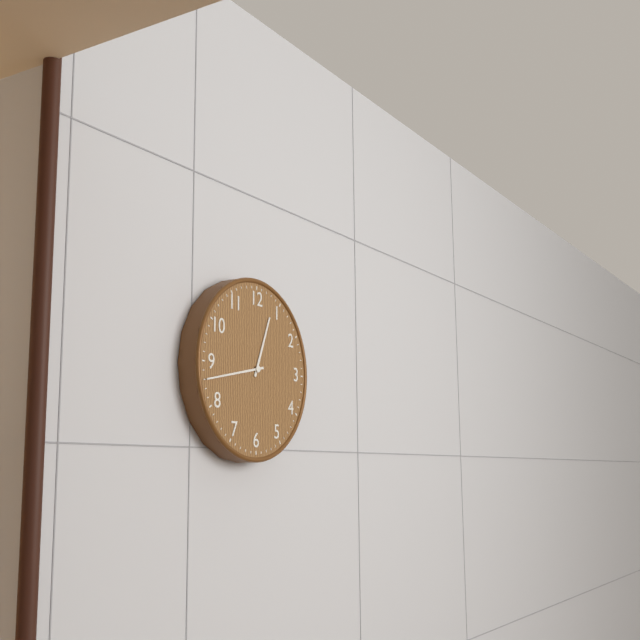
12:43
